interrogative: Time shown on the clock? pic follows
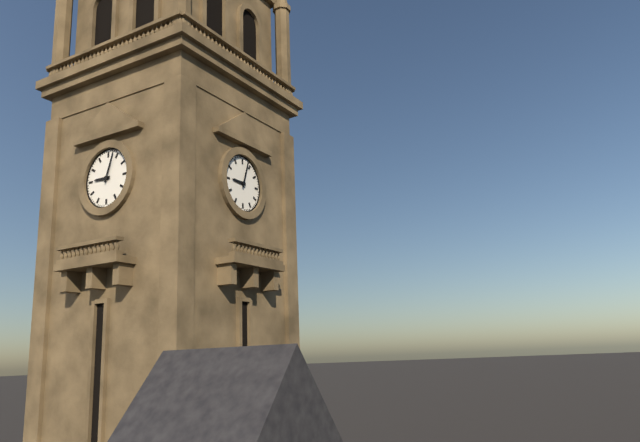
9:03
